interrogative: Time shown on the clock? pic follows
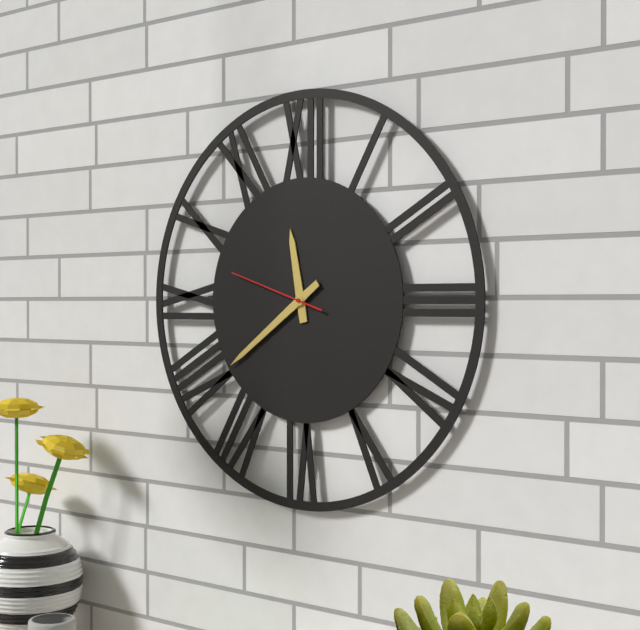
11:39:48
